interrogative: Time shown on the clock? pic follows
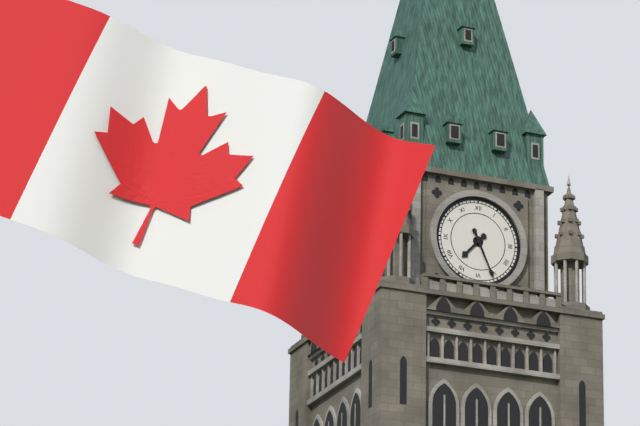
7:26
